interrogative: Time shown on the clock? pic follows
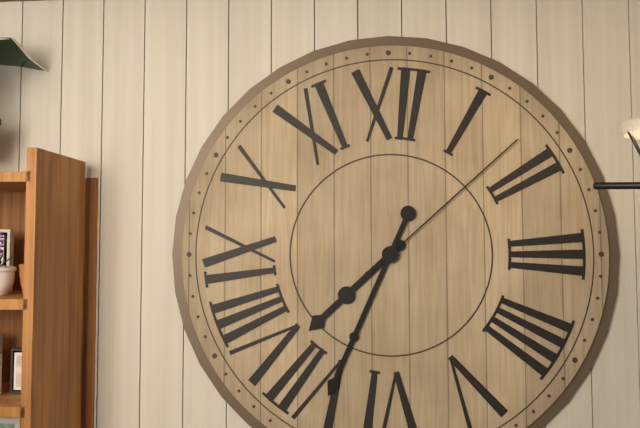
7:34:08
